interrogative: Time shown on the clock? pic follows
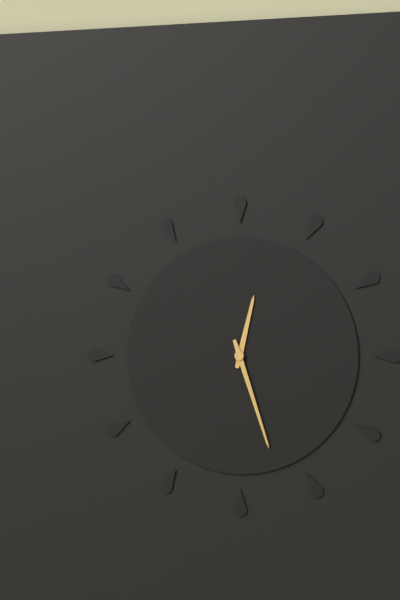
12:27
